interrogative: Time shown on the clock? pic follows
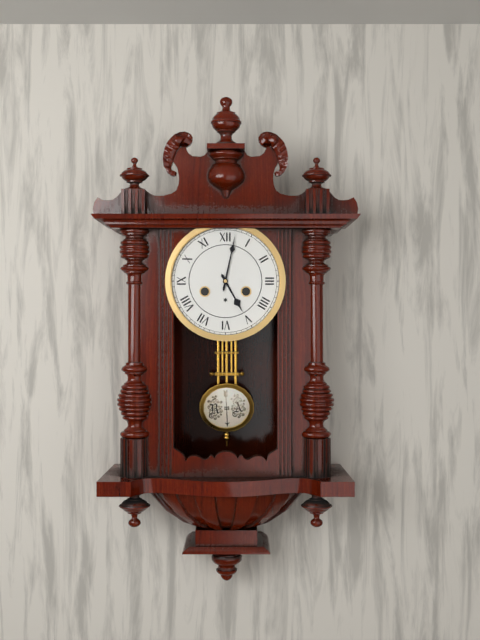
5:02
